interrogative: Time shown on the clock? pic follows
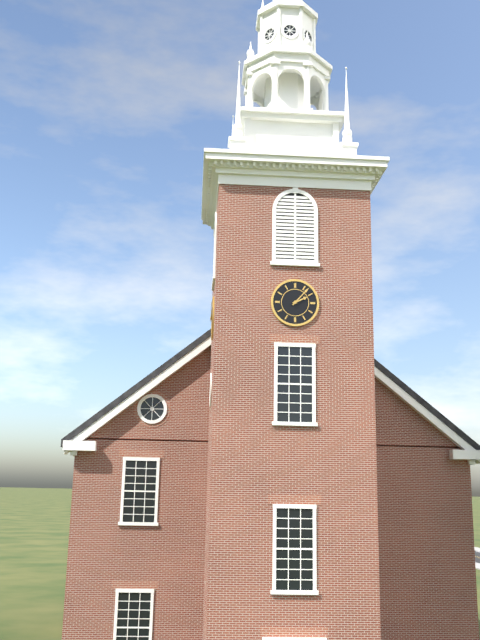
2:07
